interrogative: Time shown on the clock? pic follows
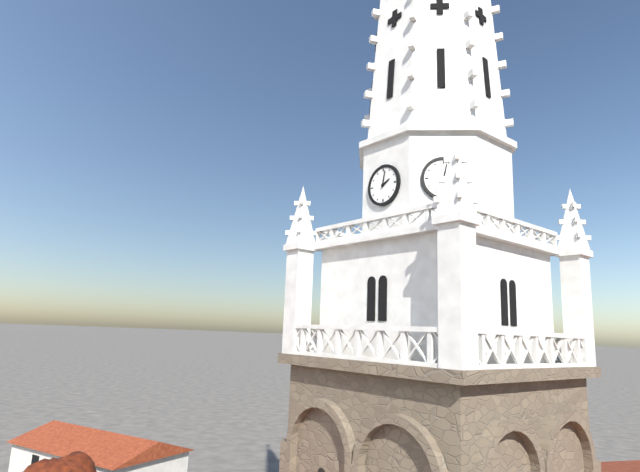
2:02
